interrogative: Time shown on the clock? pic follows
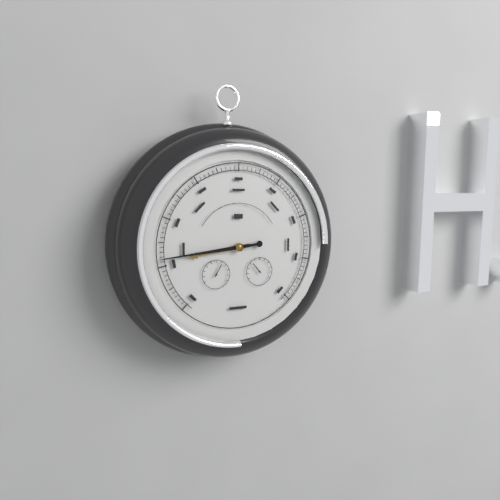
8:44
